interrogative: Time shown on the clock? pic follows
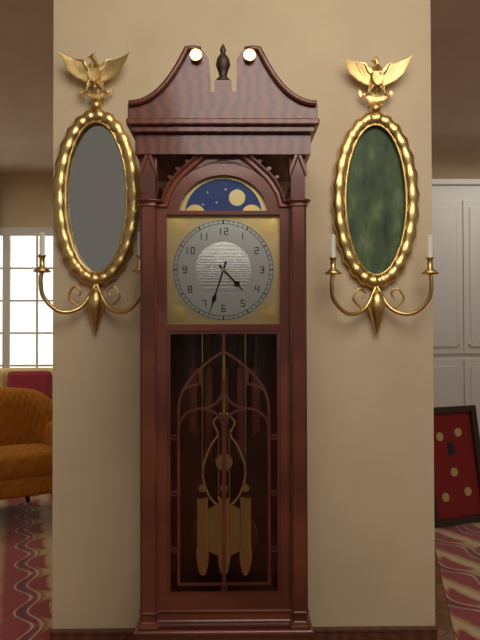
4:33
